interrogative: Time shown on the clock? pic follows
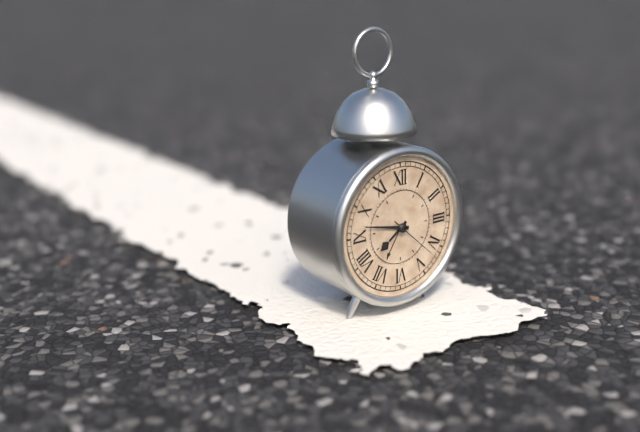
7:47
